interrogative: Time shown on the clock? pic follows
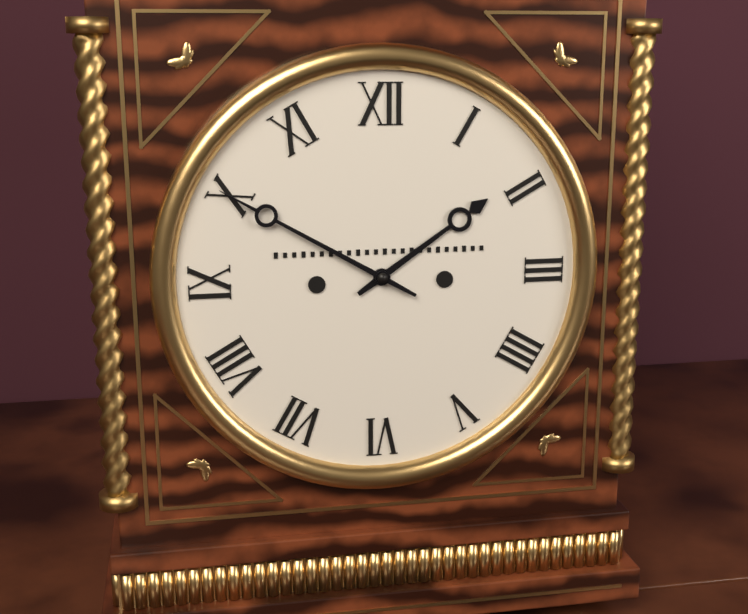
1:50
